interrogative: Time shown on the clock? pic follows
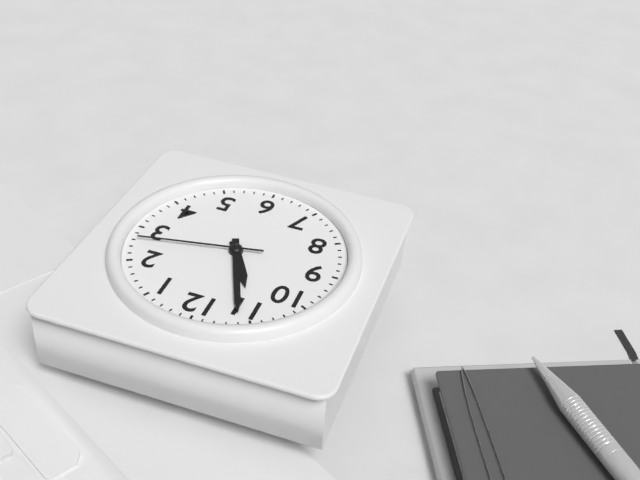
10:56:13
